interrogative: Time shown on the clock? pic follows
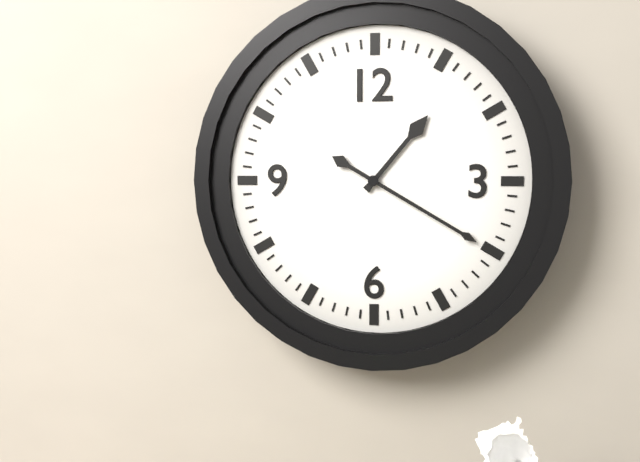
1:20
